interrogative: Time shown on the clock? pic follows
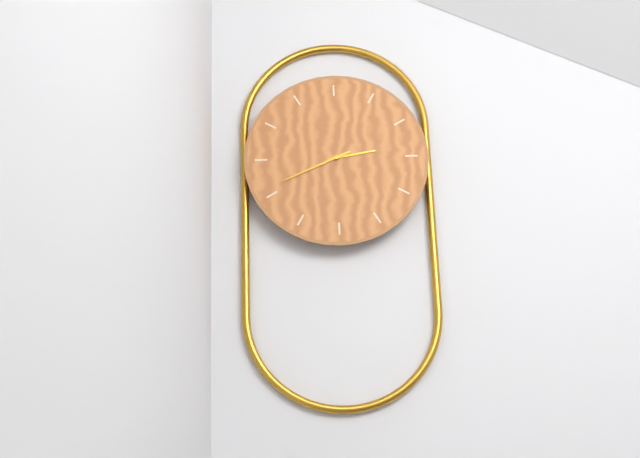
2:41
